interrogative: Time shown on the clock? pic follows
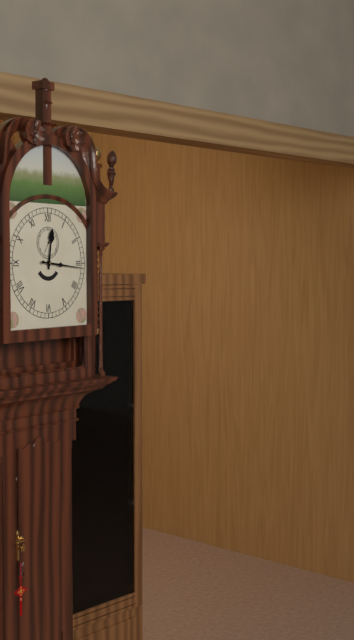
12:16
